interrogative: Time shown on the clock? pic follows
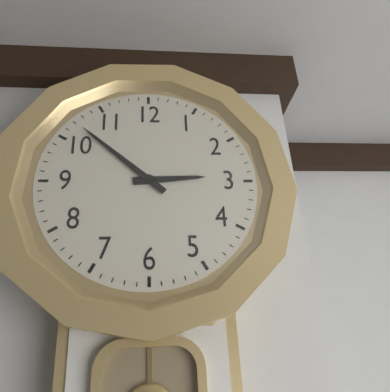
2:52
